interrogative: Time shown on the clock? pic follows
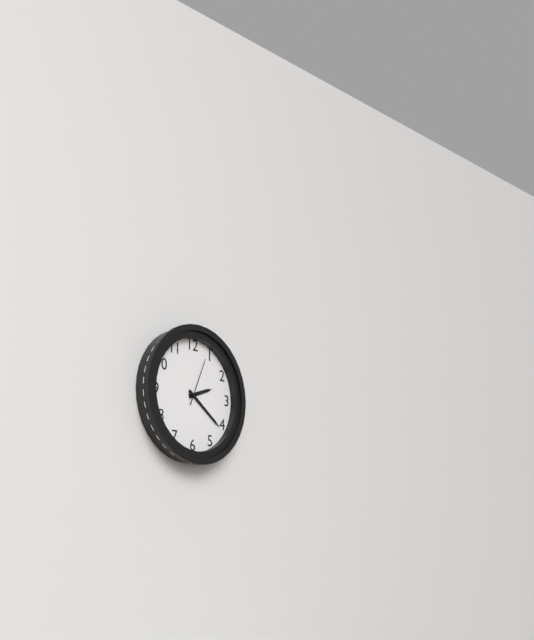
2:21
